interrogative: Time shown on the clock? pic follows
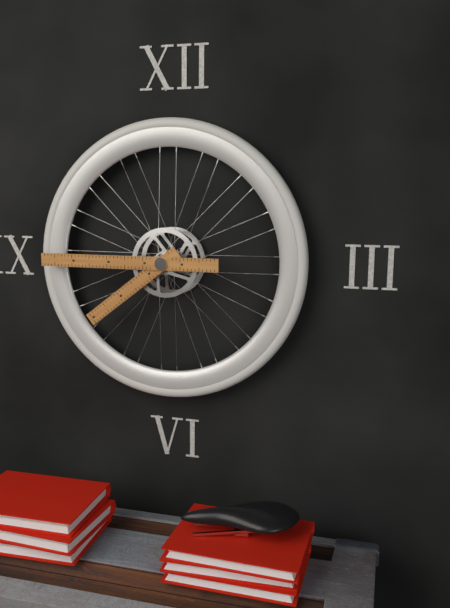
7:45
